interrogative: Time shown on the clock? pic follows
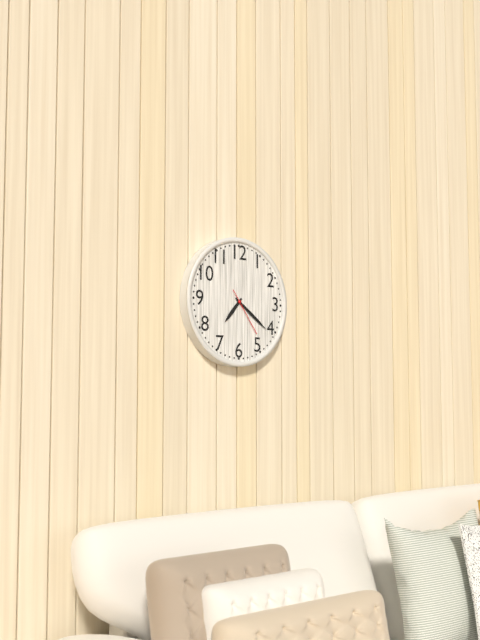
7:21
